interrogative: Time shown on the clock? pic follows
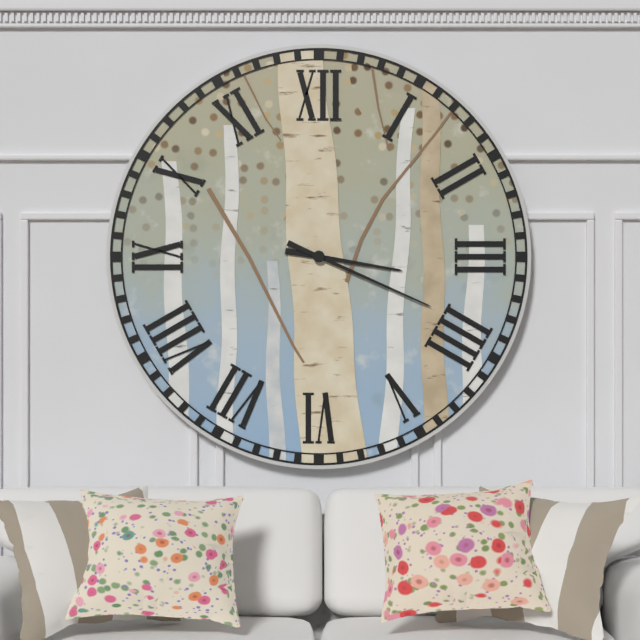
3:19
